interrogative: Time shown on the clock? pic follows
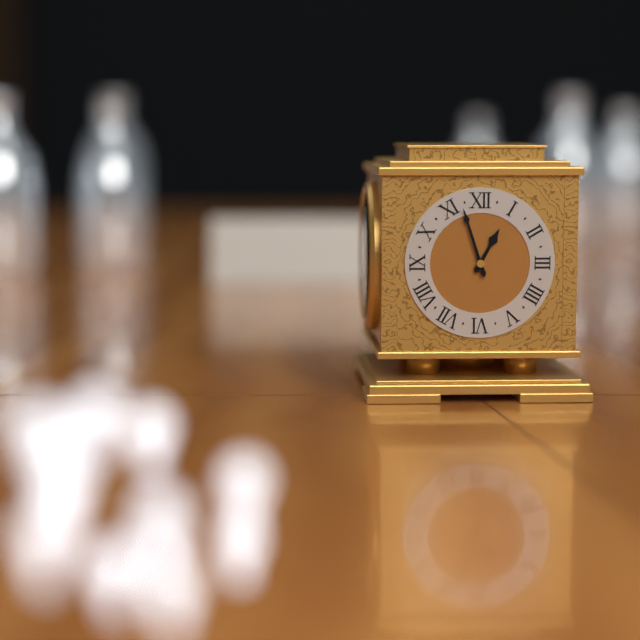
12:57
